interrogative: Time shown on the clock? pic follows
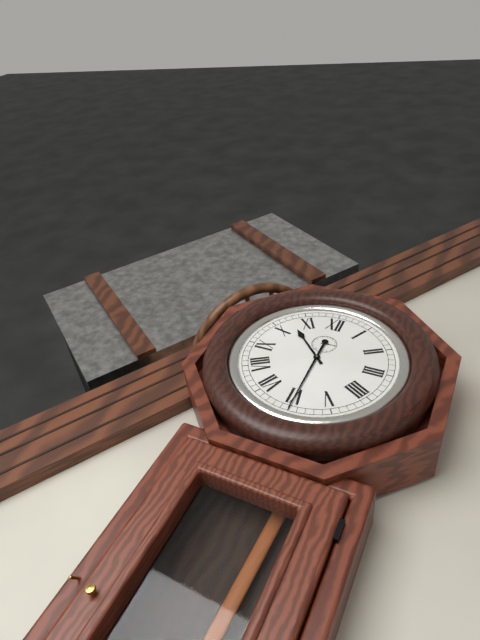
10:30
